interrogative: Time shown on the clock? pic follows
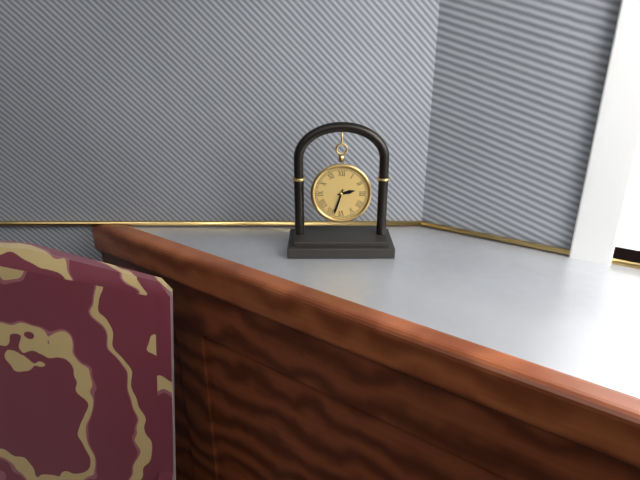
2:33
